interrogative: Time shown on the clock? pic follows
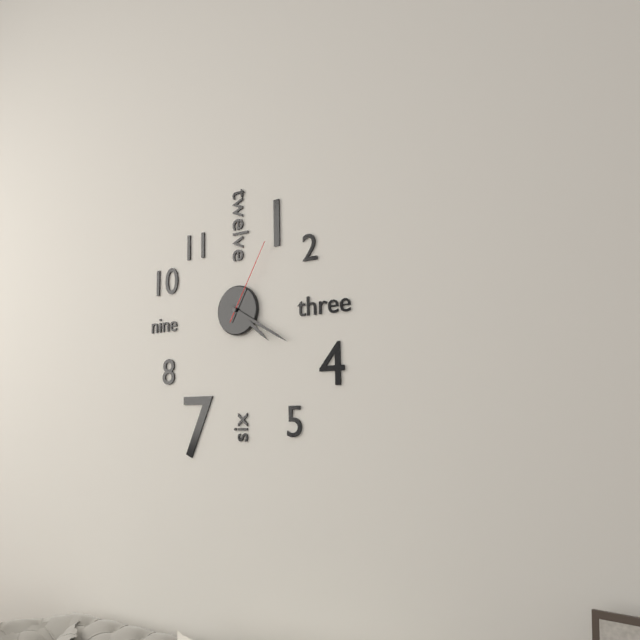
4:20:05
